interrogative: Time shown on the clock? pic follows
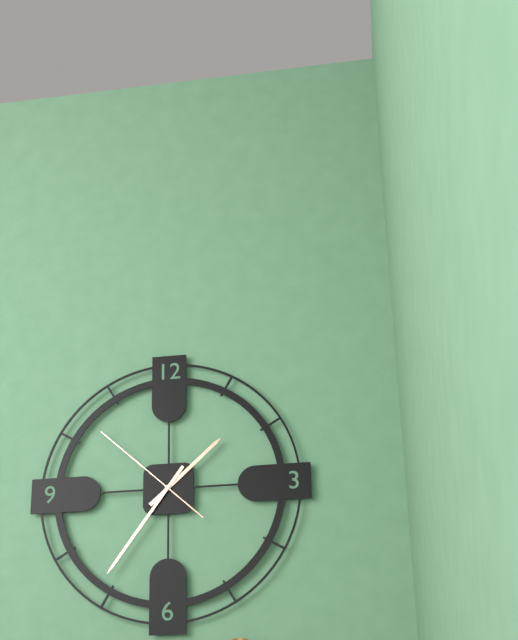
1:36:52
